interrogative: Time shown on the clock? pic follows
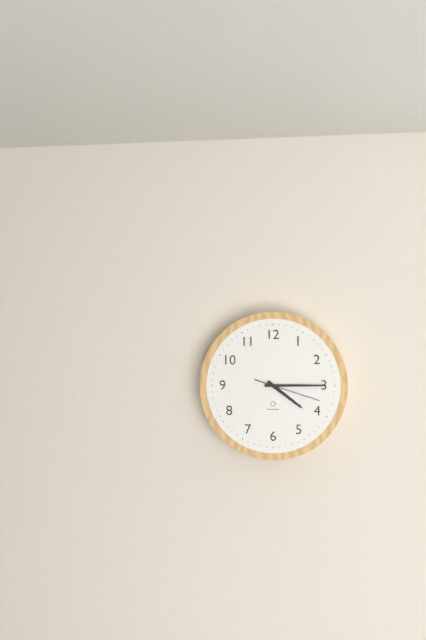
4:15:18
